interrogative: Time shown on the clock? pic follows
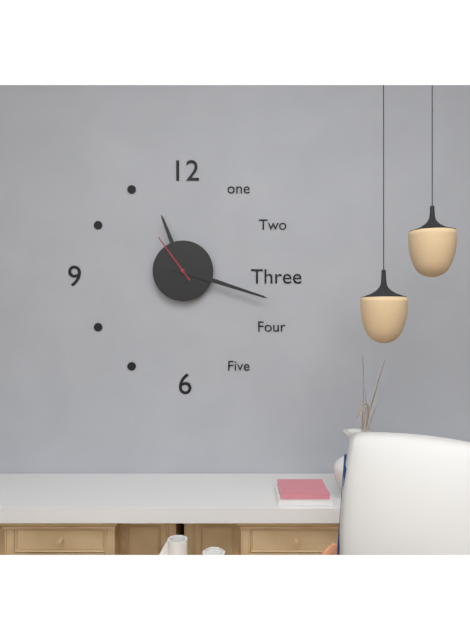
11:18:54
